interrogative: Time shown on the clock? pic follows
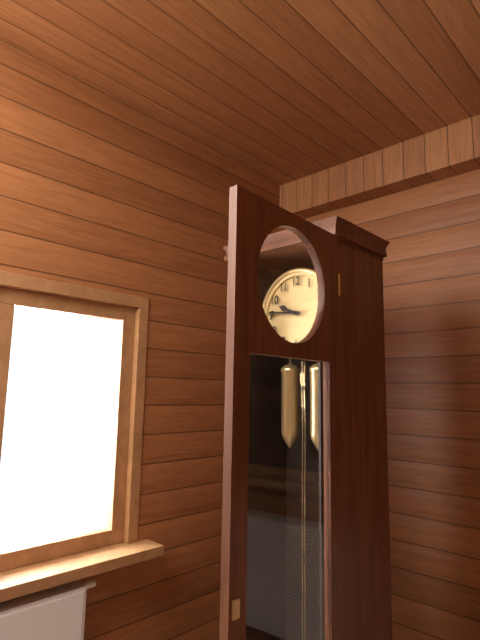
9:46
